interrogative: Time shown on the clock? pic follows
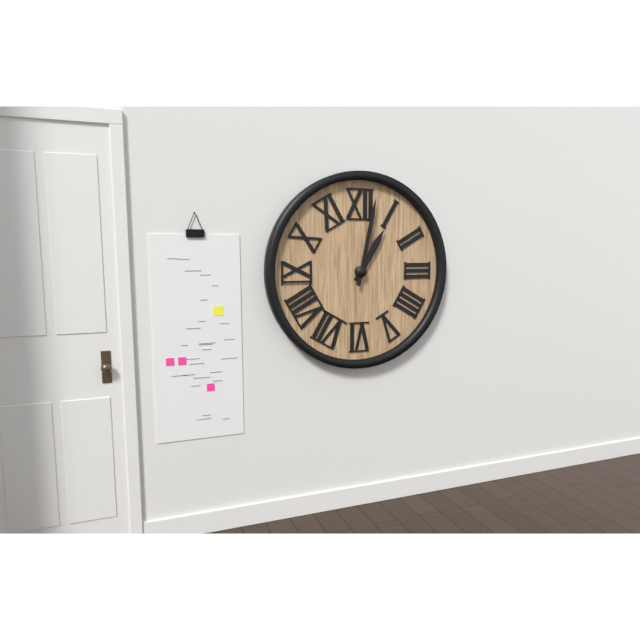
1:02
